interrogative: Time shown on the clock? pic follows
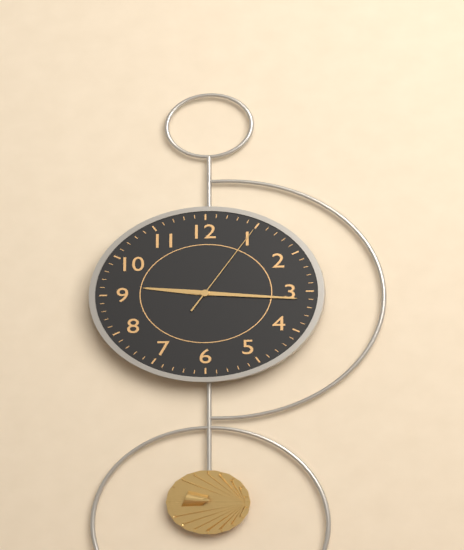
9:16:05
